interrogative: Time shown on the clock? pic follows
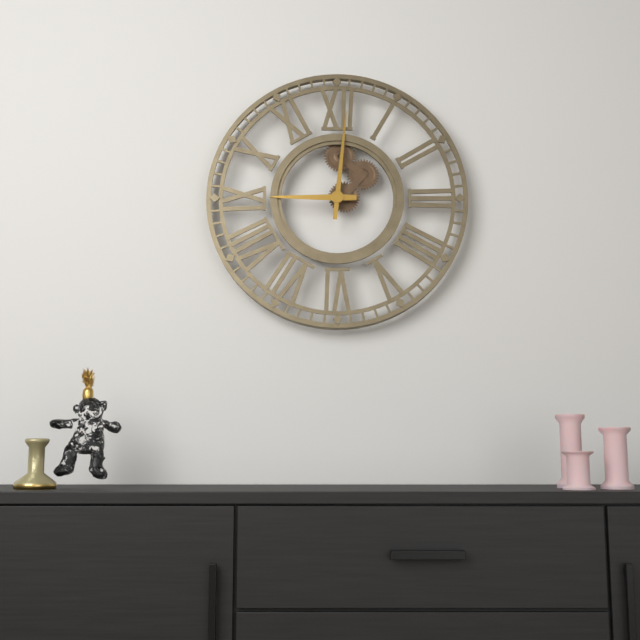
9:01
